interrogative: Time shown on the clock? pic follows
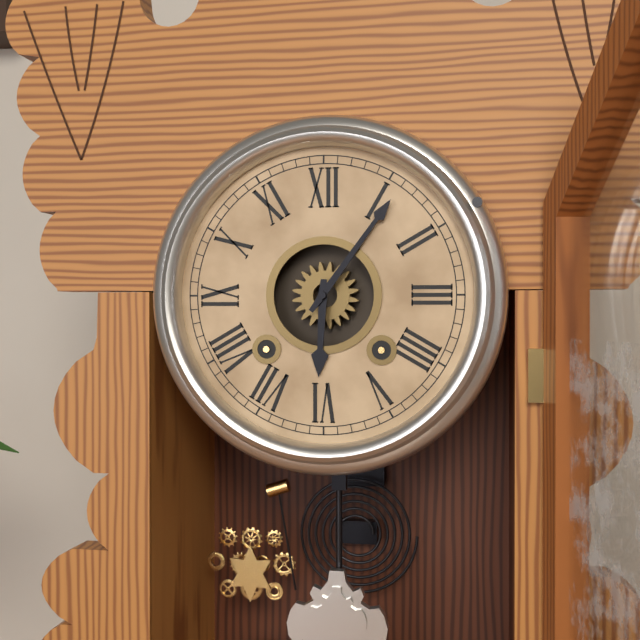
6:06
